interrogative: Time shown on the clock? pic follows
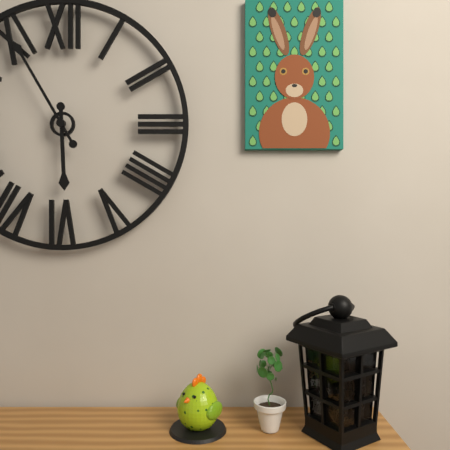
5:55
